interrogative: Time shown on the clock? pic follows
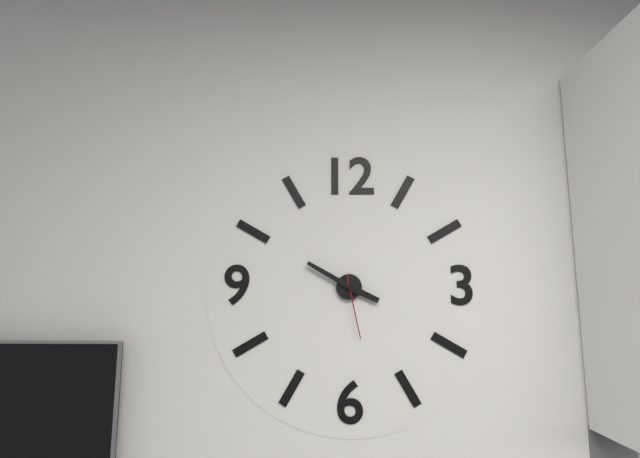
3:50:28
